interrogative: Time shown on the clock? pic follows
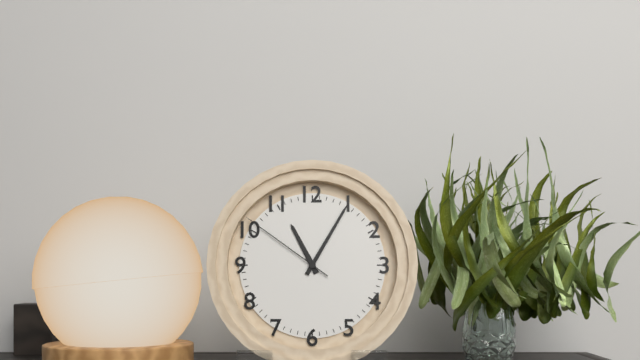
11:05:51
